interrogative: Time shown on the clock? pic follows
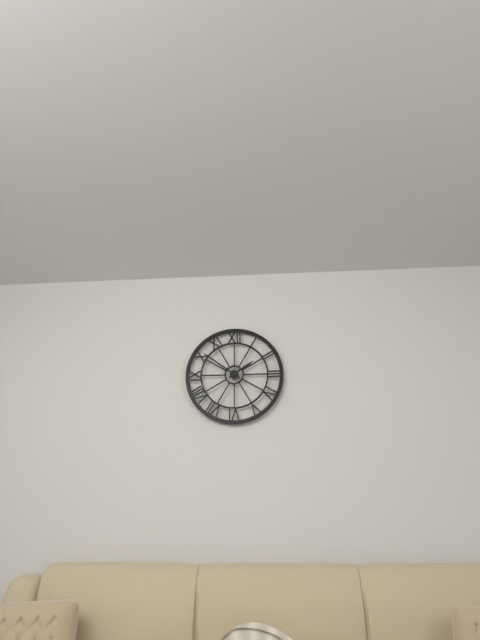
1:51
